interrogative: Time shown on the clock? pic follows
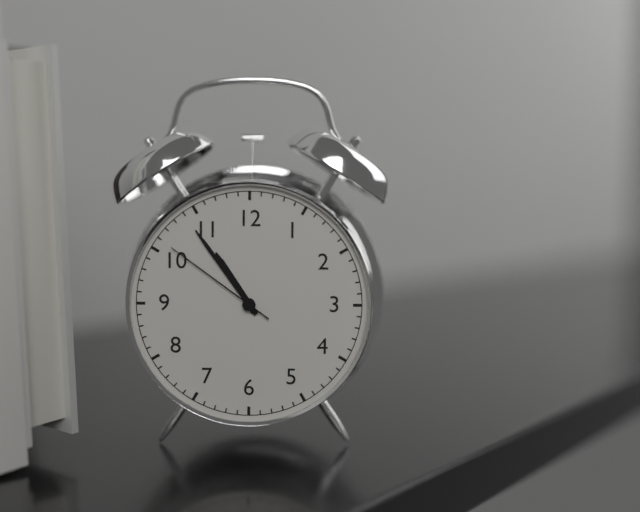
10:54:51
